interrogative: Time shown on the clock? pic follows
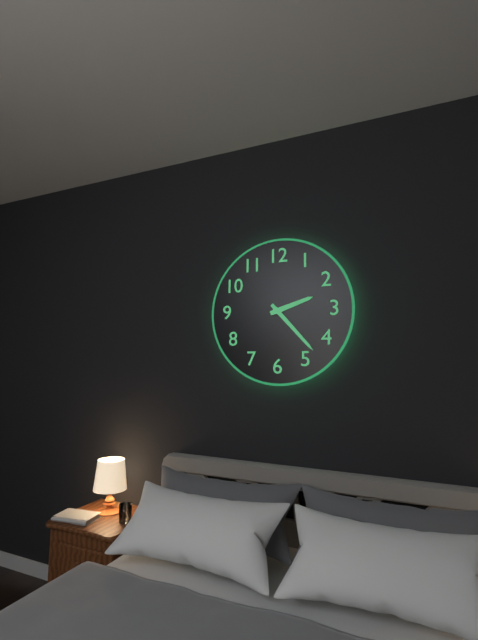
2:23
